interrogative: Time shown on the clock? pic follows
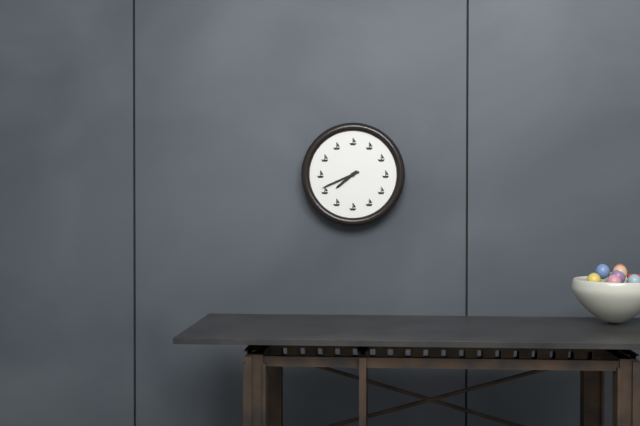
7:41
